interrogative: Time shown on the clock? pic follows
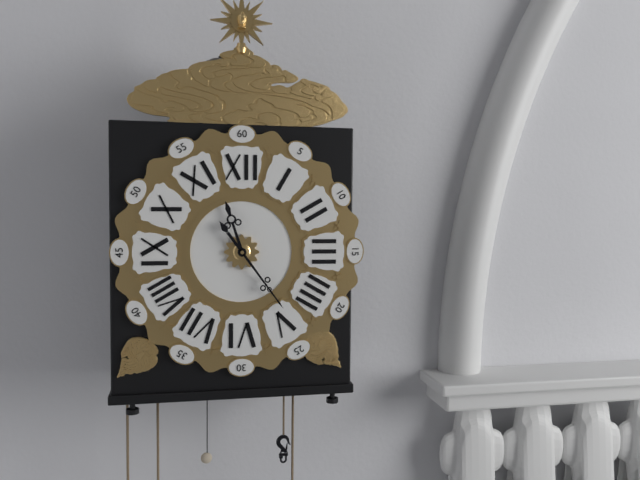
11:24
